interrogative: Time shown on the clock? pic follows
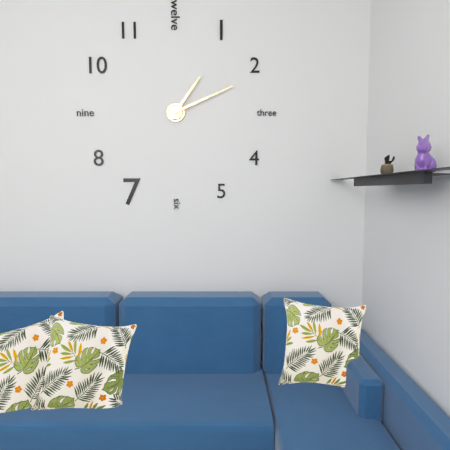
1:11
